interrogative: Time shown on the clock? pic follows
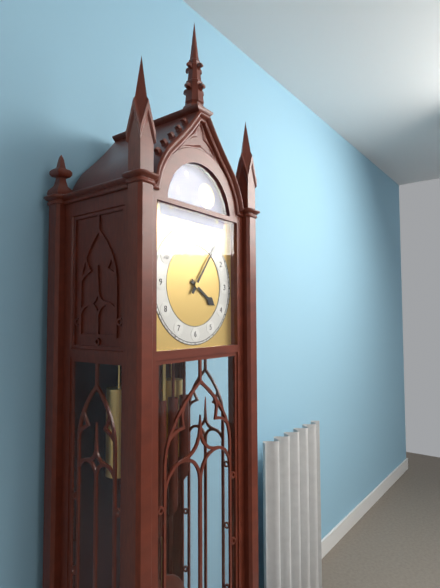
4:06
